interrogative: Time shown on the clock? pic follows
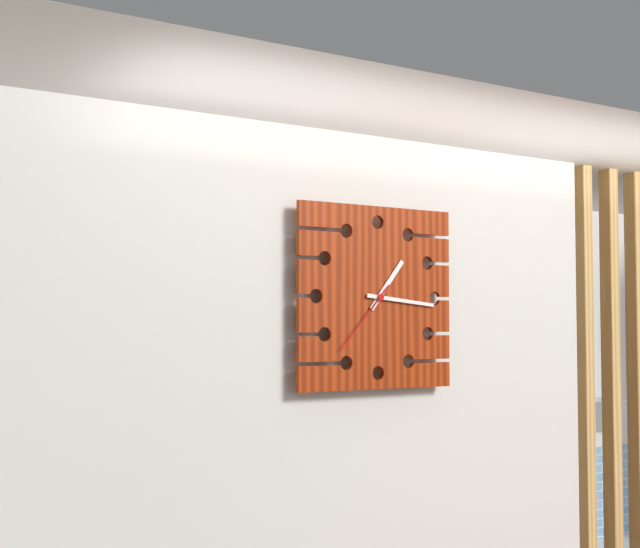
1:16:37
